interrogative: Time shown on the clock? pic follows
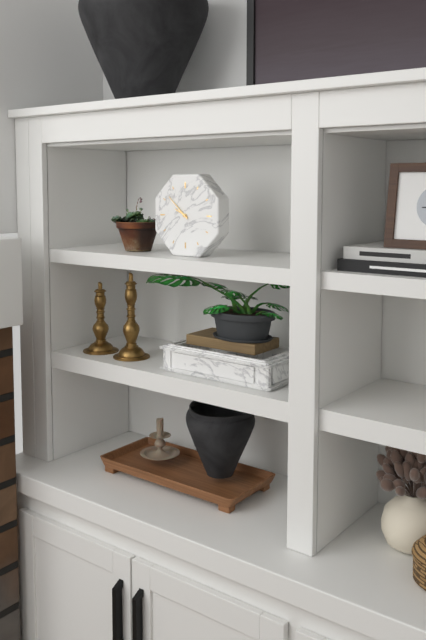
9:52
